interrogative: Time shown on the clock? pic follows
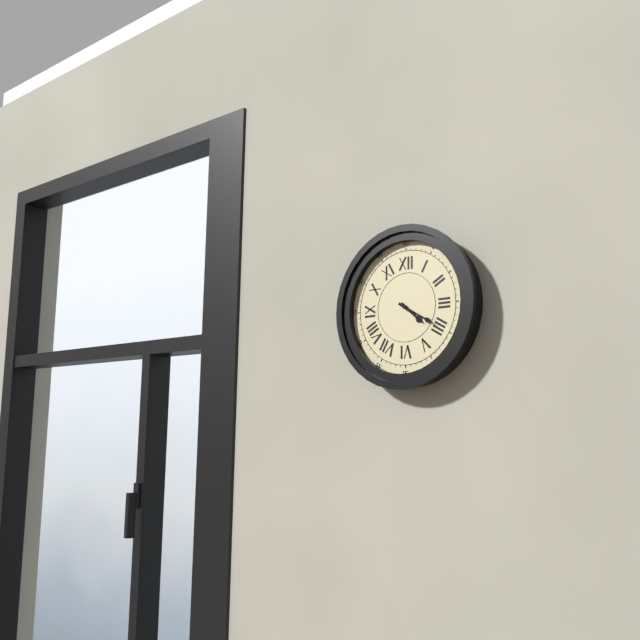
4:20
